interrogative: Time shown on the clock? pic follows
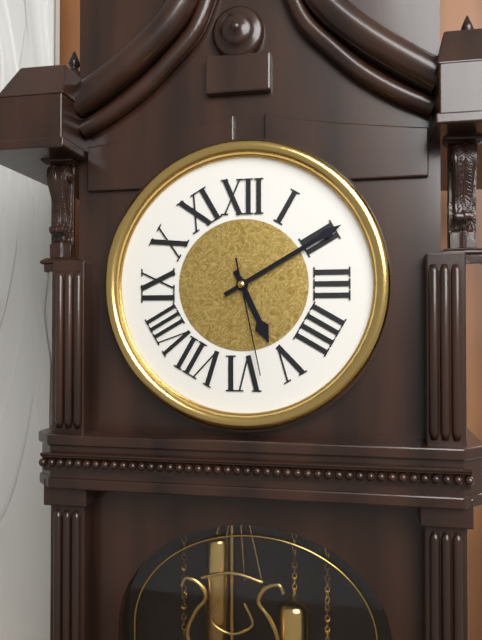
5:10:28
